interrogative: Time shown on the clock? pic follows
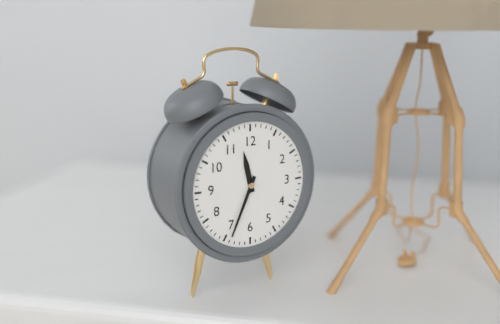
11:34
